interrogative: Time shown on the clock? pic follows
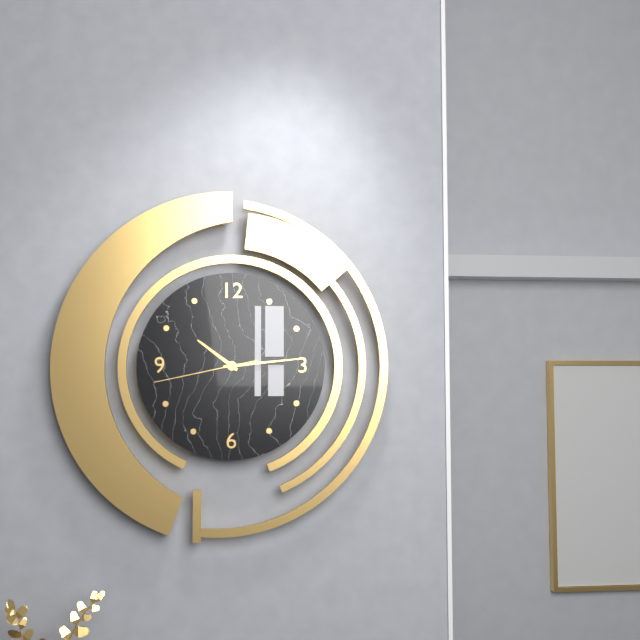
10:14:43
